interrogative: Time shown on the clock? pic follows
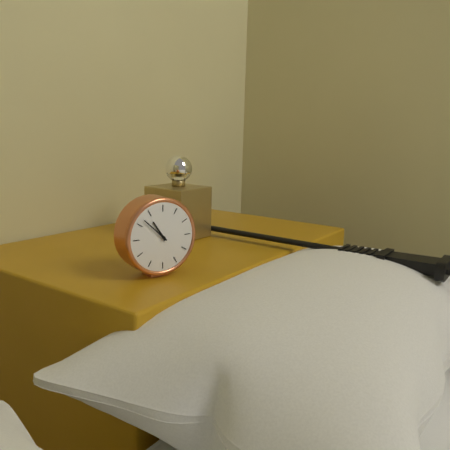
10:52
